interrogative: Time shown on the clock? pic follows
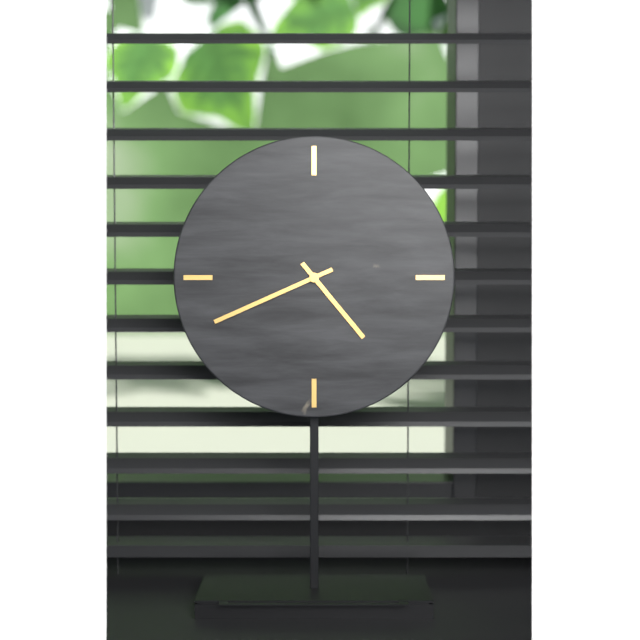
4:41
